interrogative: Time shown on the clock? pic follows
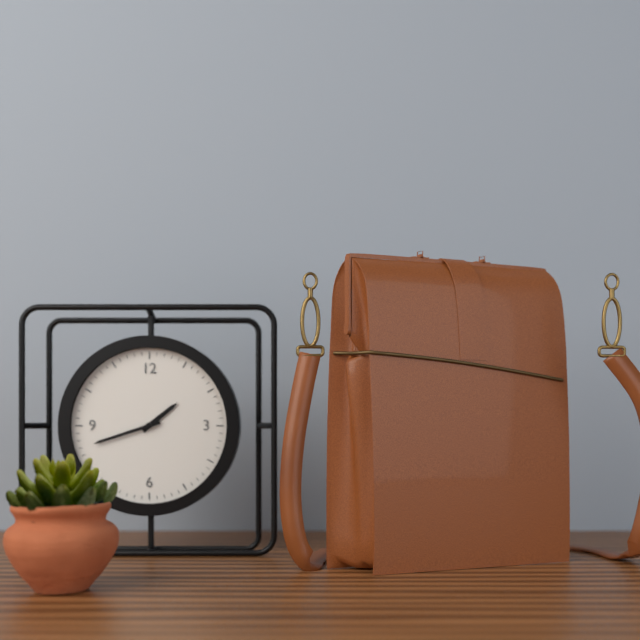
1:42
